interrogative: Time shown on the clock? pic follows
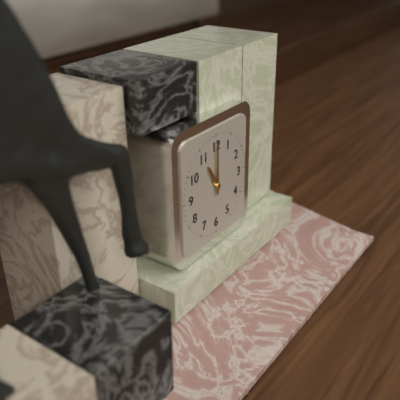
11:00
